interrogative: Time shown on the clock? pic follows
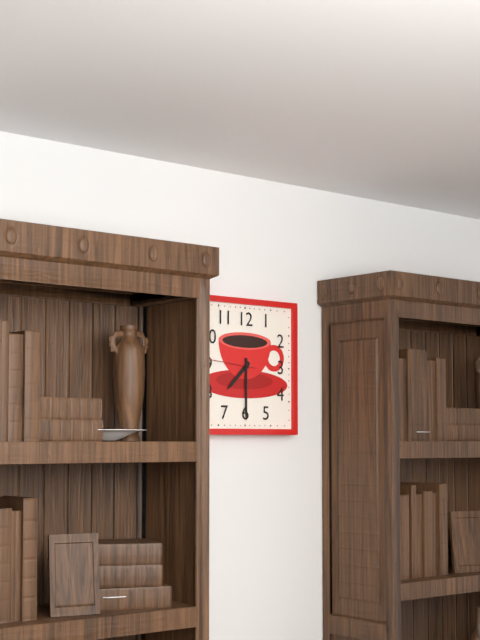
7:30:46
